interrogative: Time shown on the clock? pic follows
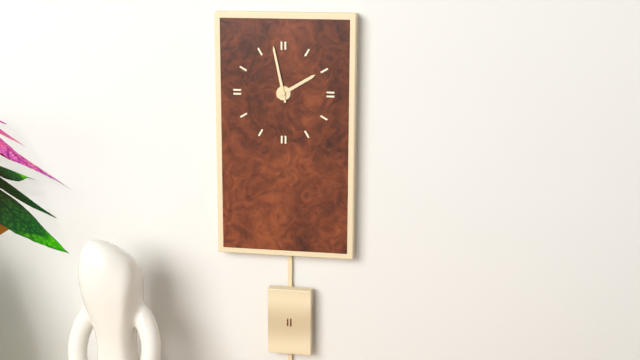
1:58
